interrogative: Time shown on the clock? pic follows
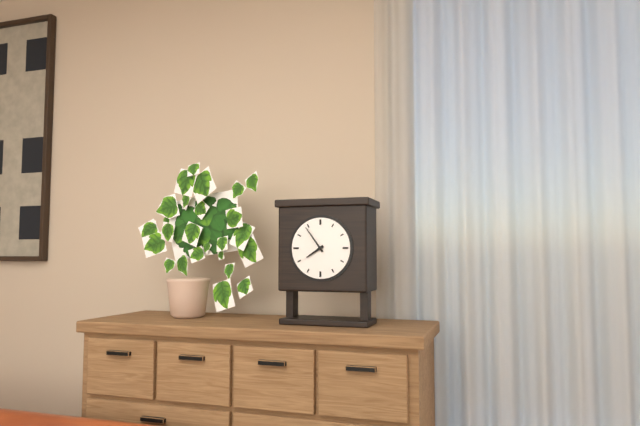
7:54
